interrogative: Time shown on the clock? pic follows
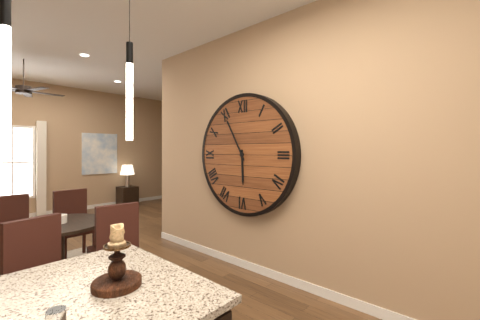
5:55
